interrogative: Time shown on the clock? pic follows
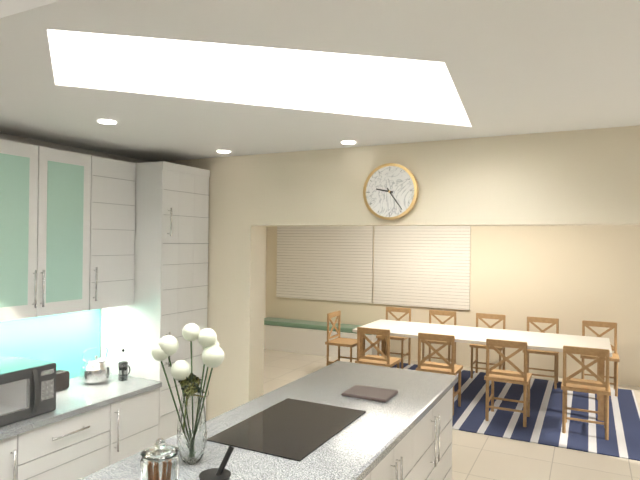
9:24
